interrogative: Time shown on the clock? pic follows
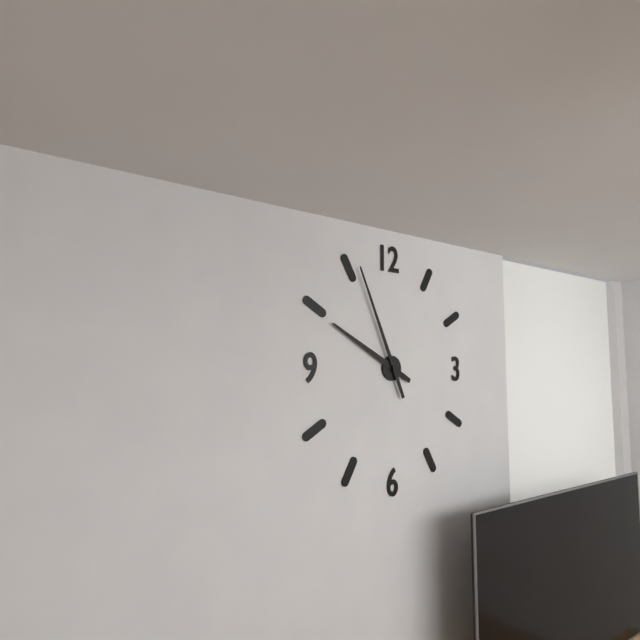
9:56
